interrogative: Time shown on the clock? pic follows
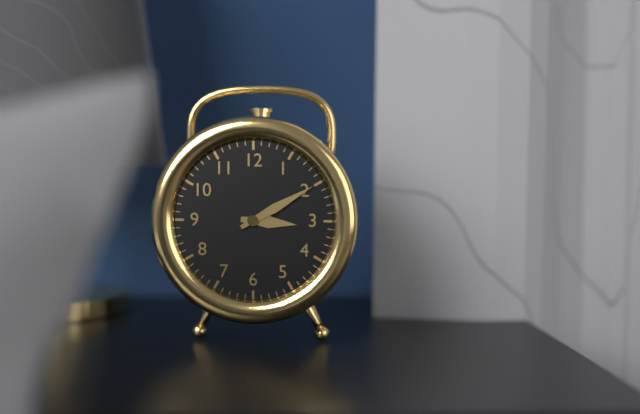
3:10
